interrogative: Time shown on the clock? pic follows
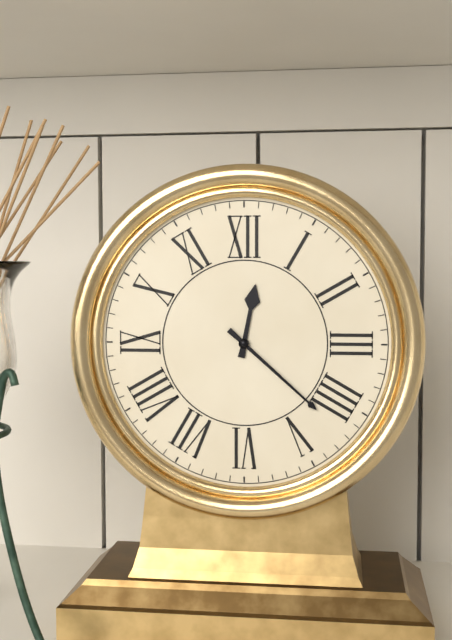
12:22
